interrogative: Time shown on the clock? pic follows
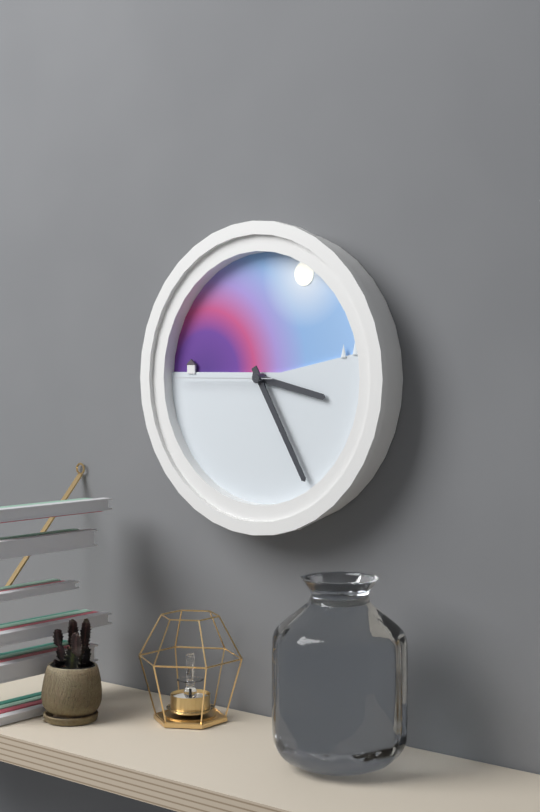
3:25:45
